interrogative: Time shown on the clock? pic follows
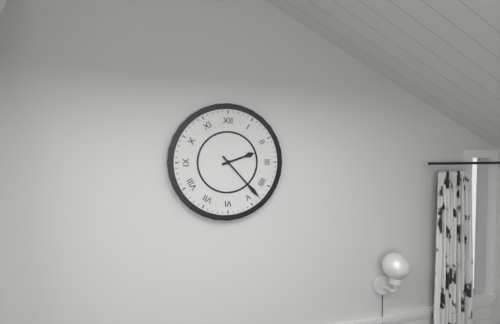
2:23
